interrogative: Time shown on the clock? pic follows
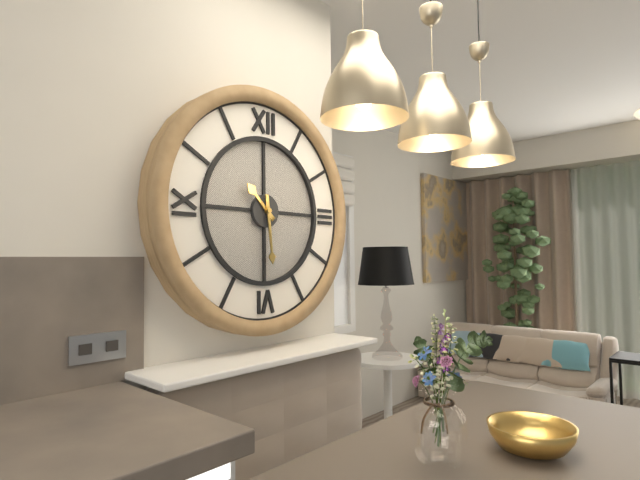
10:29
